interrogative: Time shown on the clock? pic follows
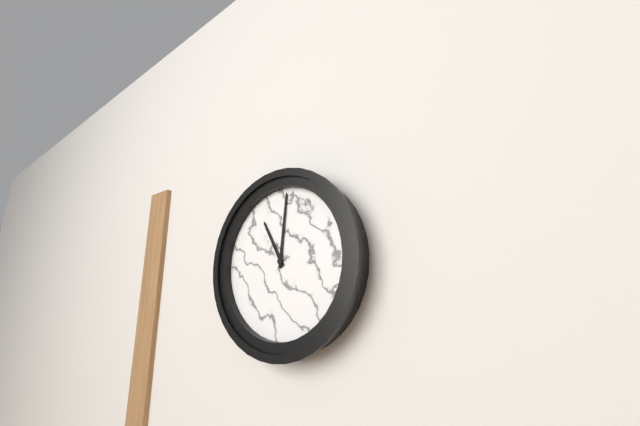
11:01
